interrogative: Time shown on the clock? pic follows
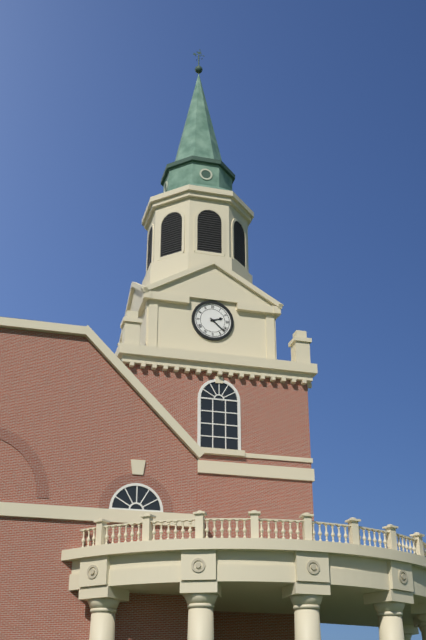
2:22
